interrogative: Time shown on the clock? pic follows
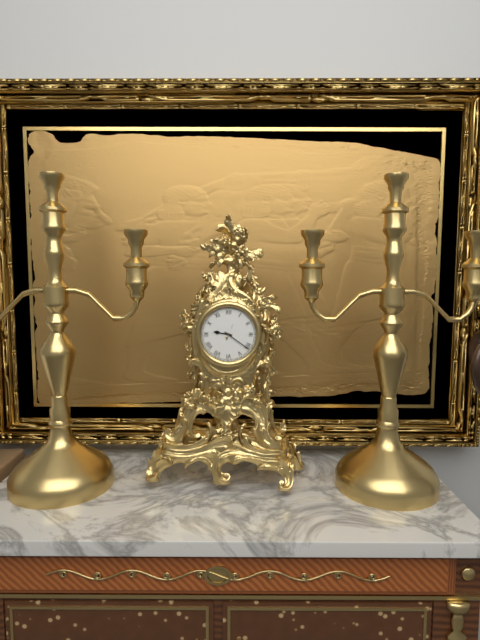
9:21
